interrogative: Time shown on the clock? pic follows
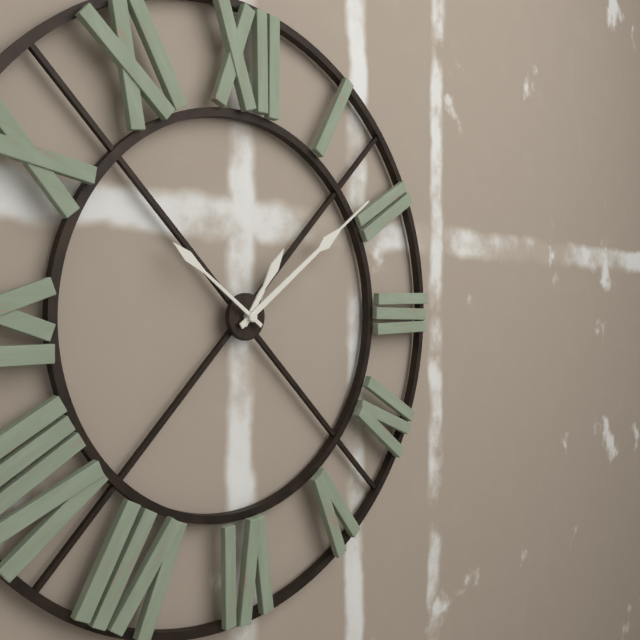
1:09:51
